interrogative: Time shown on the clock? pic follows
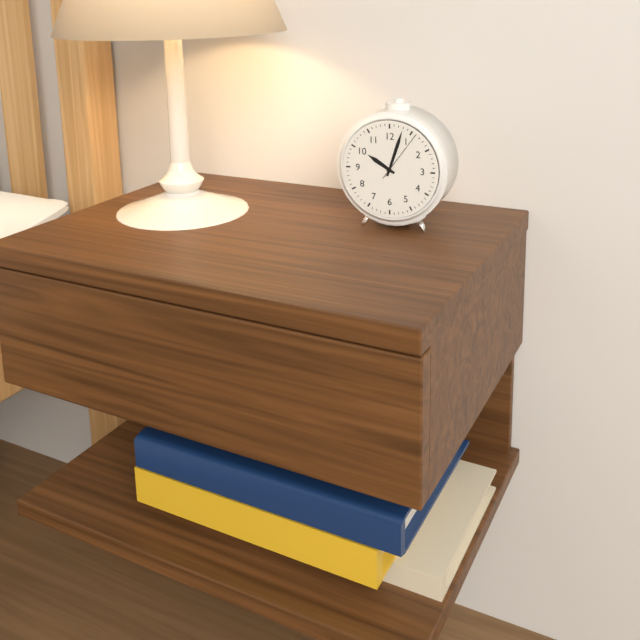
10:03:06
